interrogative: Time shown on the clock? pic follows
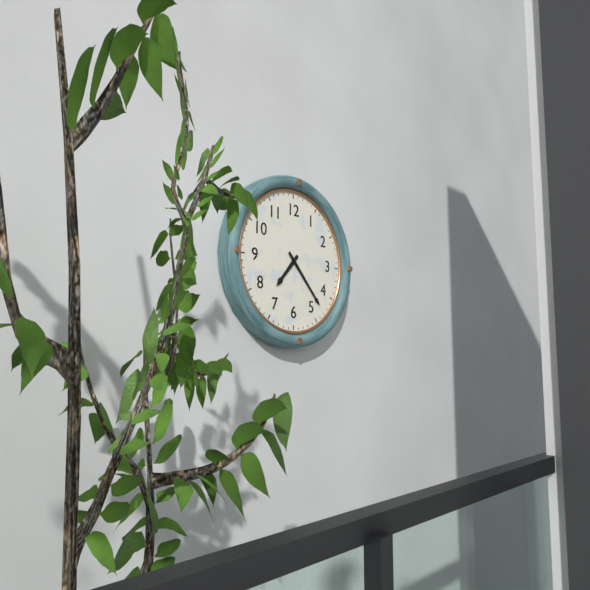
7:23
